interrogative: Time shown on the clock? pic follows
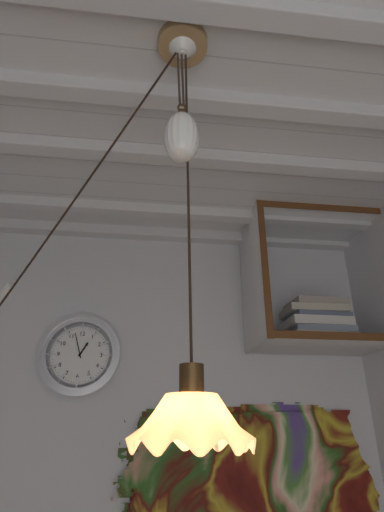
12:57
